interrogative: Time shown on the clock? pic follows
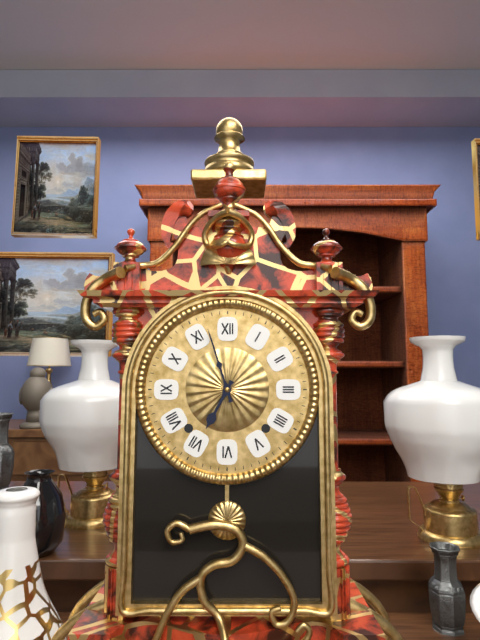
6:57
